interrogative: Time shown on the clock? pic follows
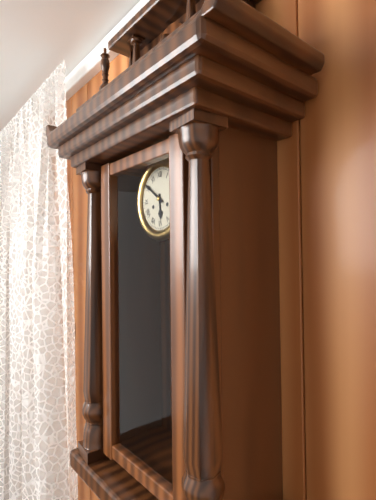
5:51
